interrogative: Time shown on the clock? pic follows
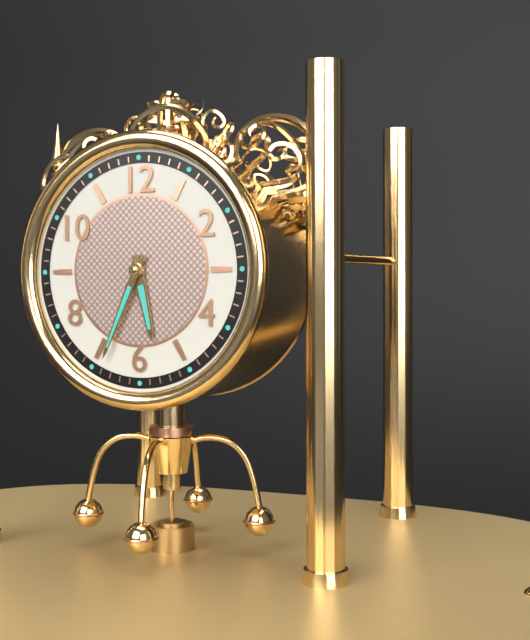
5:34
